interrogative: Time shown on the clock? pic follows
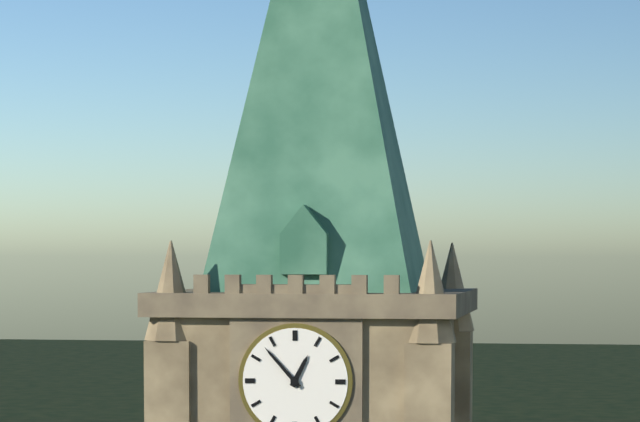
12:53
